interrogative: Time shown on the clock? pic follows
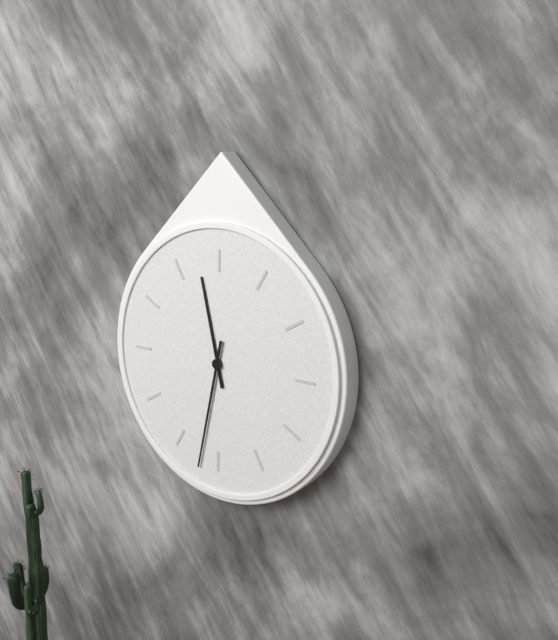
11:32
